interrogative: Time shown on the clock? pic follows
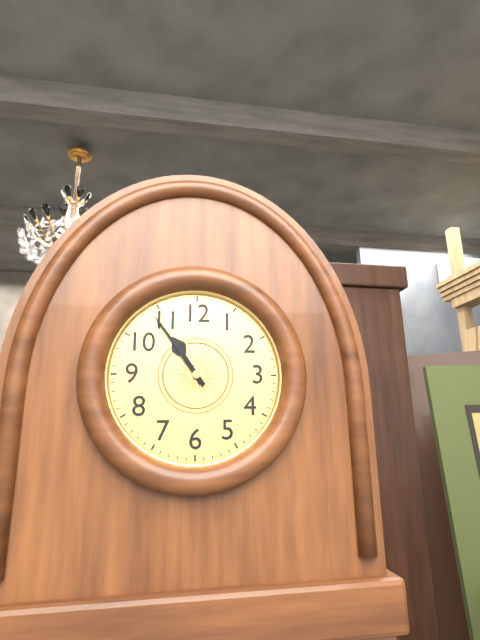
10:54
